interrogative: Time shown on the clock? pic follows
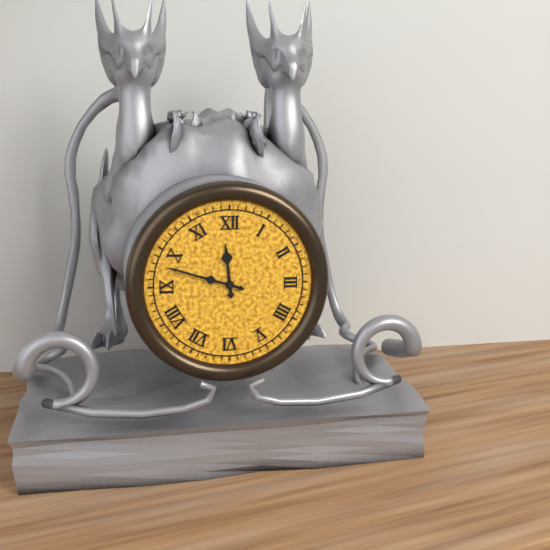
11:48
